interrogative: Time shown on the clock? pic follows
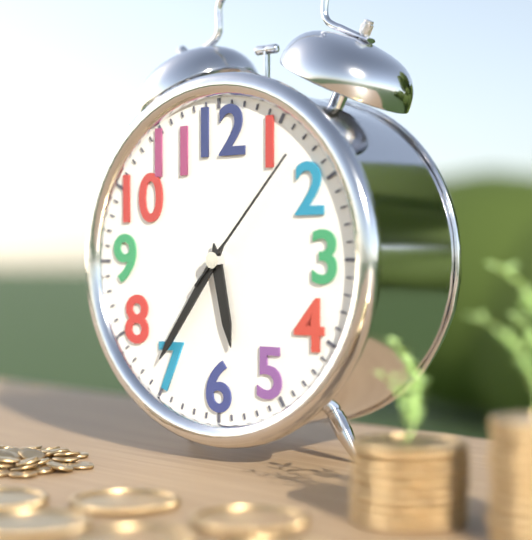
5:36:07
